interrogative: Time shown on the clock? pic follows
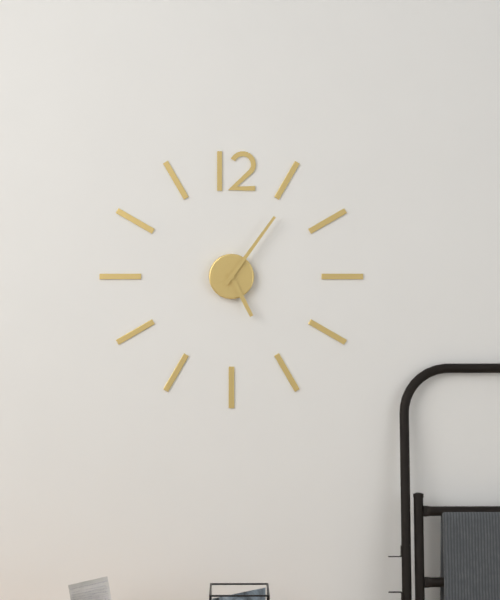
5:06
